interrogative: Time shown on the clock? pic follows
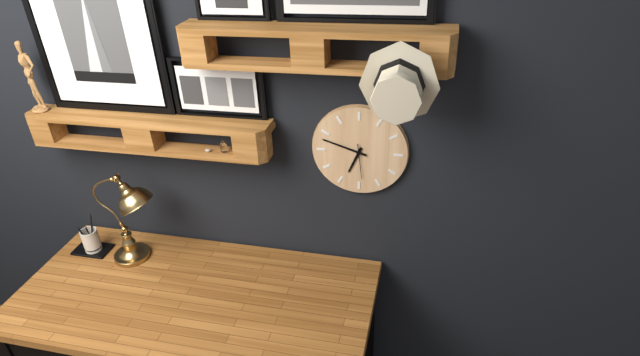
6:48
